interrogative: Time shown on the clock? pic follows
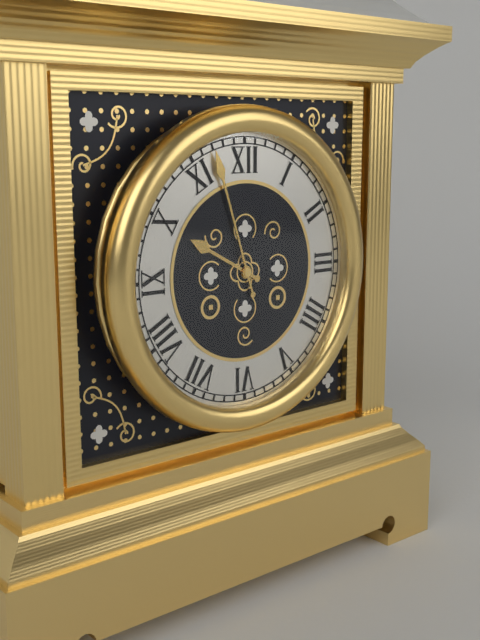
9:57
